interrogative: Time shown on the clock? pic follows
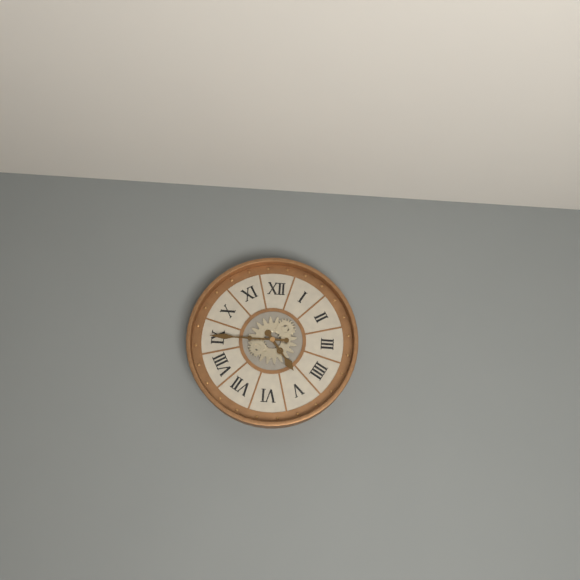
4:45
